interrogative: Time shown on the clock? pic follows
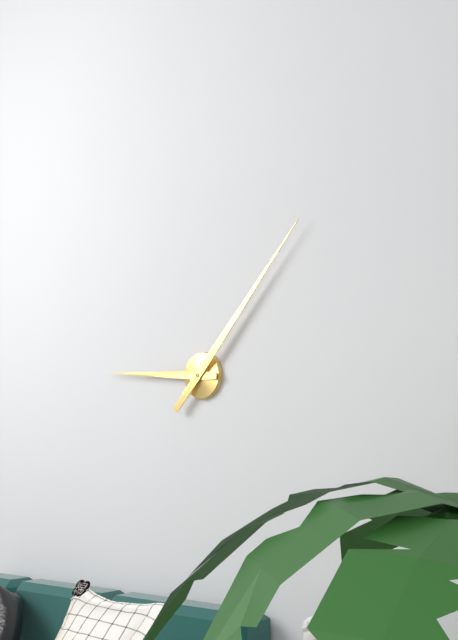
9:07
